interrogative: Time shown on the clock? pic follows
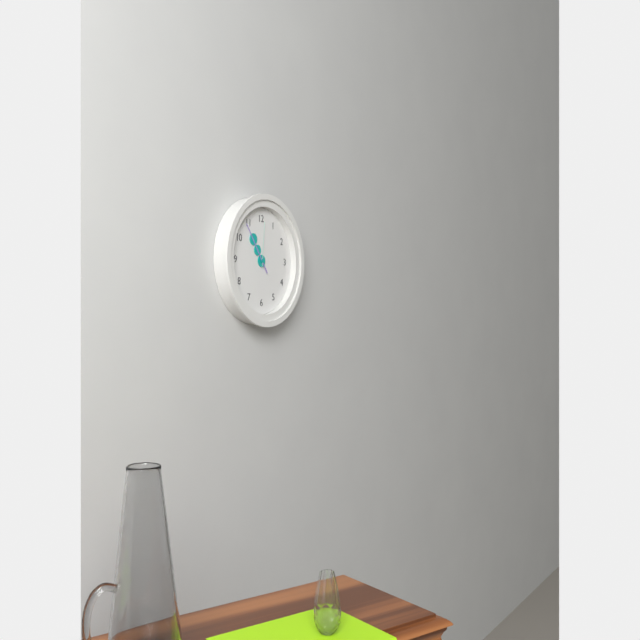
10:54
